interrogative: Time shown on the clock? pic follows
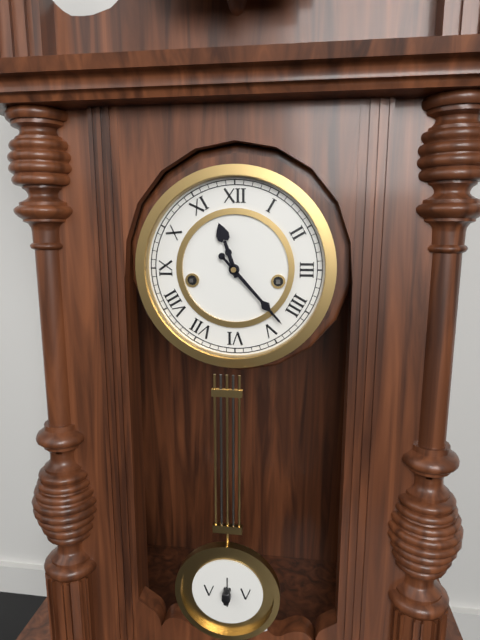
11:23
